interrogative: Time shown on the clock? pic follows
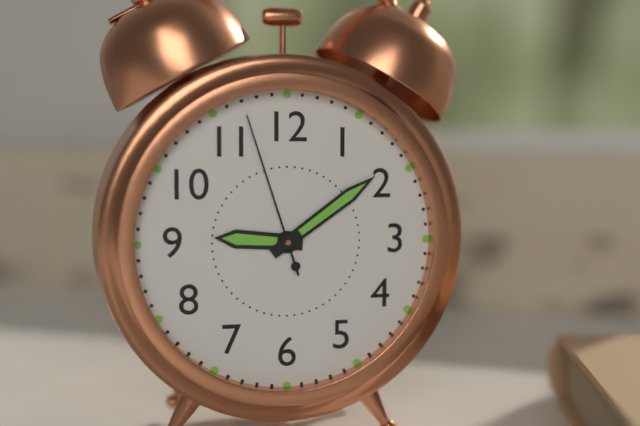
9:09:57
